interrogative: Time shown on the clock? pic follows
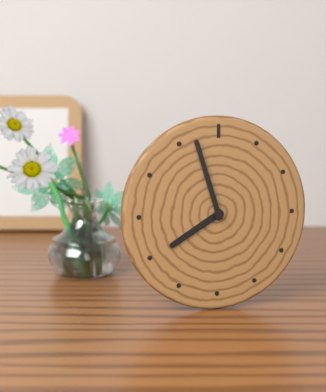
7:57
